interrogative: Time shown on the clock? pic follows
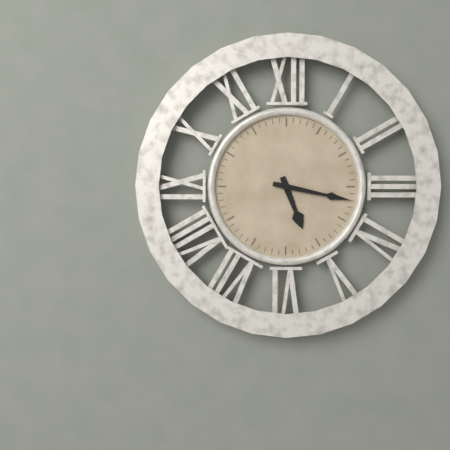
5:17
